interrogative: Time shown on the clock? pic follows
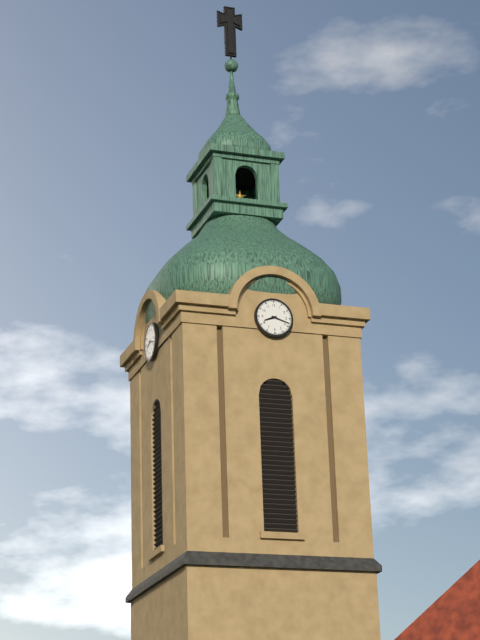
8:18
